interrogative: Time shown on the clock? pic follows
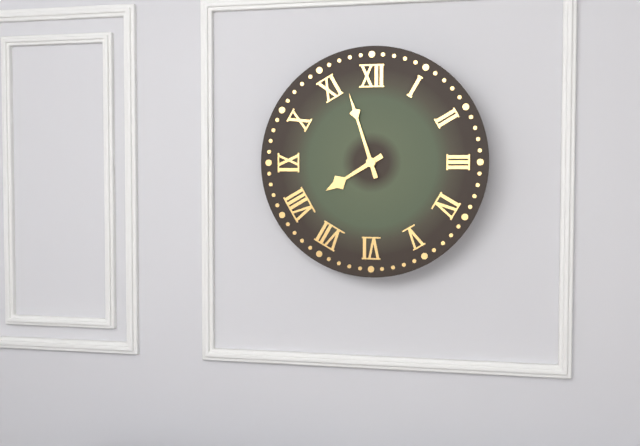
7:57
